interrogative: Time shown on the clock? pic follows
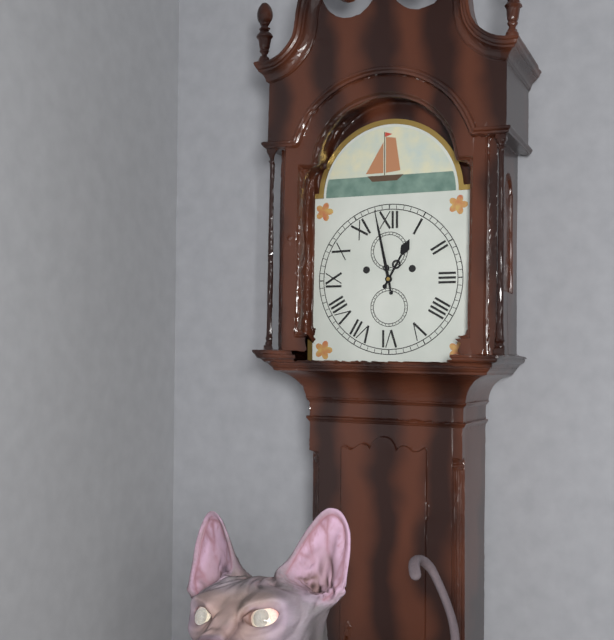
12:58
